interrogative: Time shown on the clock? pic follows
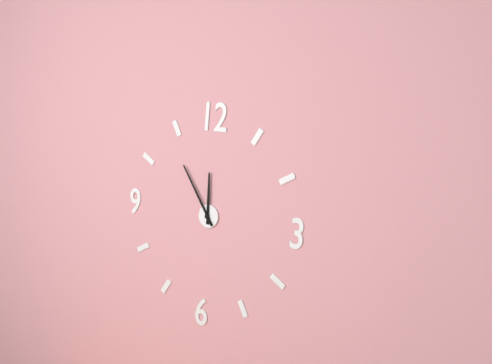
11:54
